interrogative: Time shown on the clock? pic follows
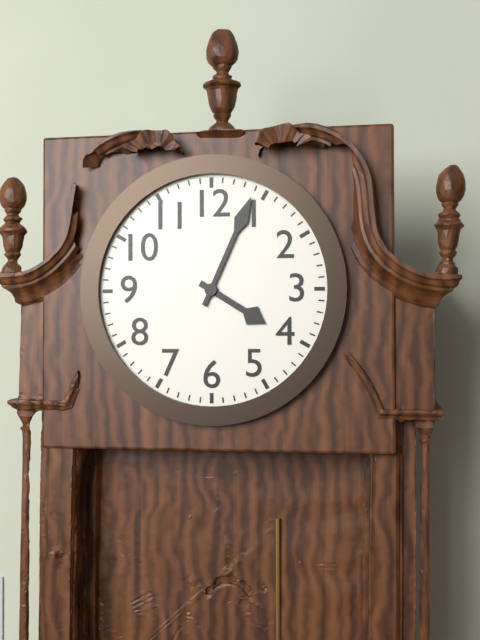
4:04
